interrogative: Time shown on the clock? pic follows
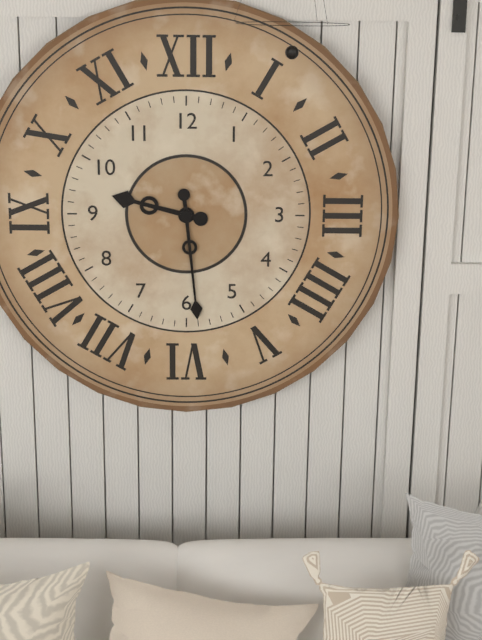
9:29
